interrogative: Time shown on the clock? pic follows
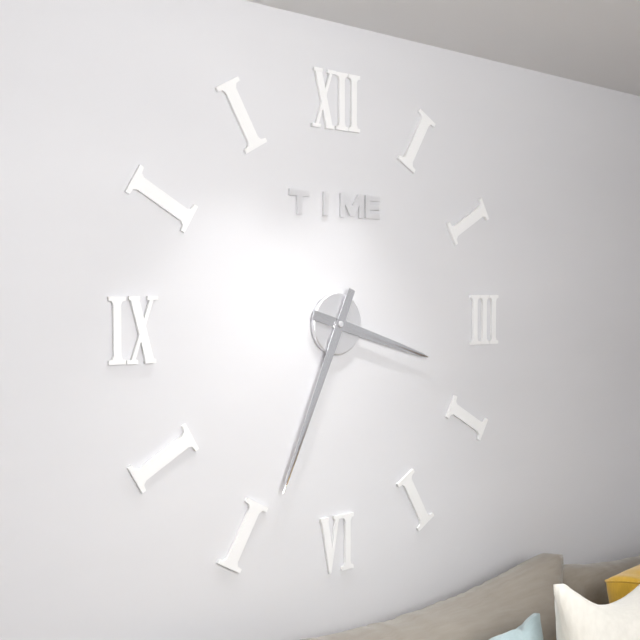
3:34
